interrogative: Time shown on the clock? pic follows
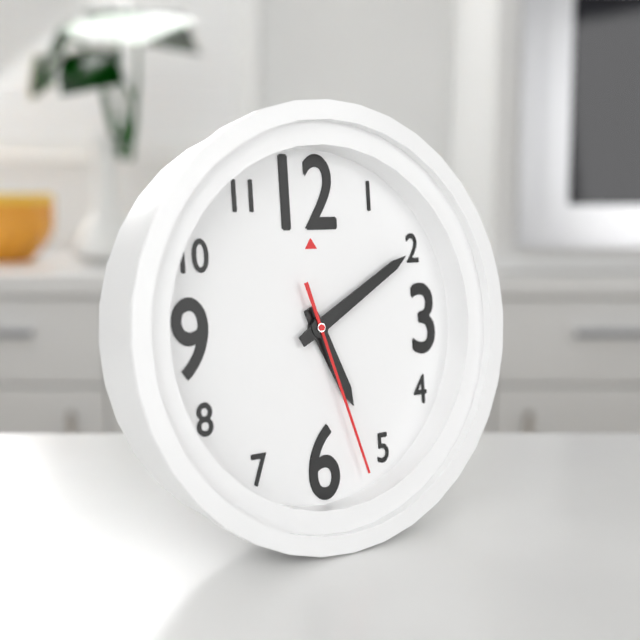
5:10:27
